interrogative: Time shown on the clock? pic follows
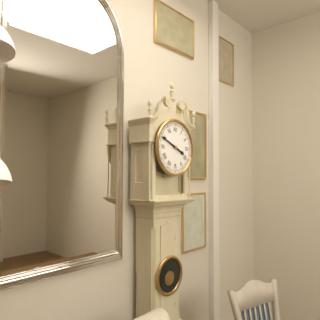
3:49
